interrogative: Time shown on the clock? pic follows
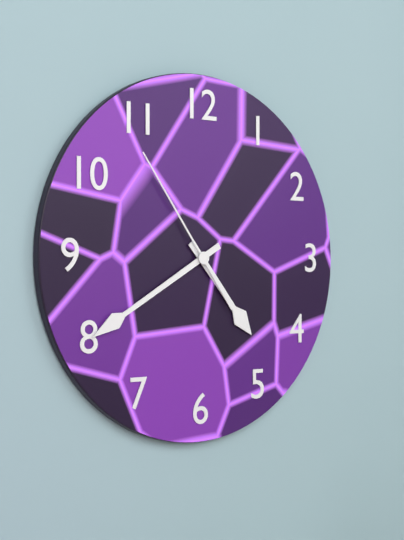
4:40:54
